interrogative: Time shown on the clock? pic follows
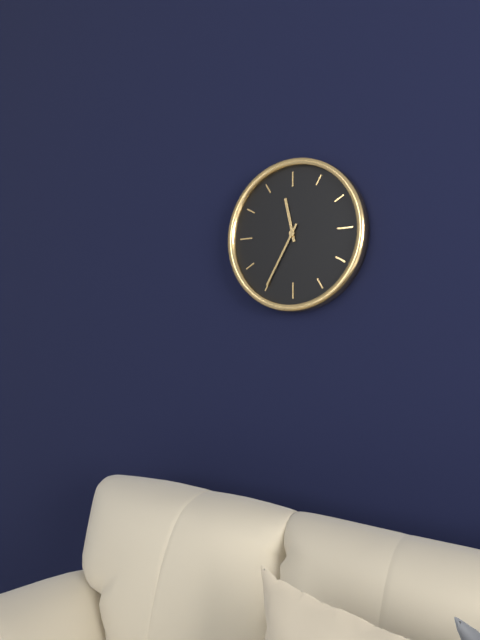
11:35
